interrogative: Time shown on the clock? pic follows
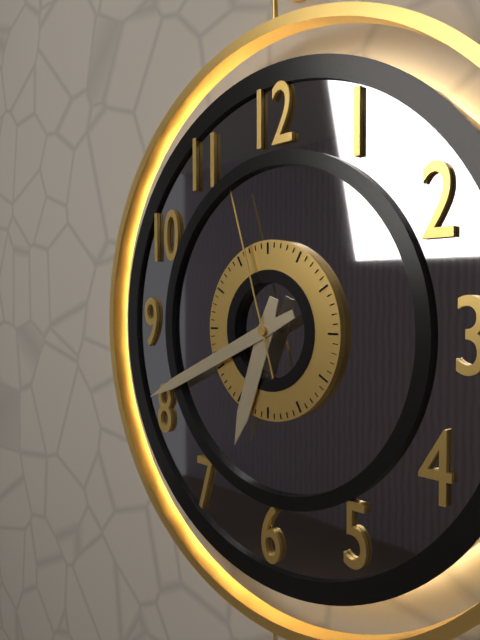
6:41:57
